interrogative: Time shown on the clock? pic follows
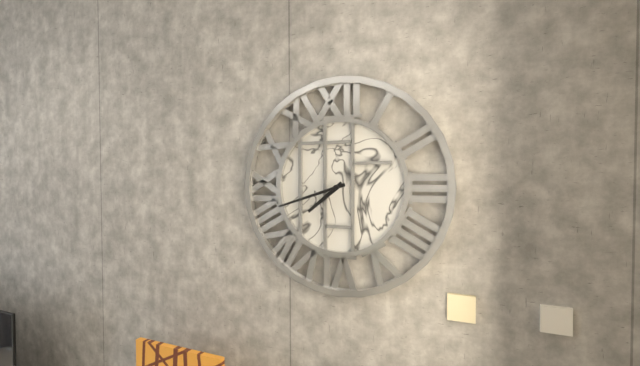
7:42
